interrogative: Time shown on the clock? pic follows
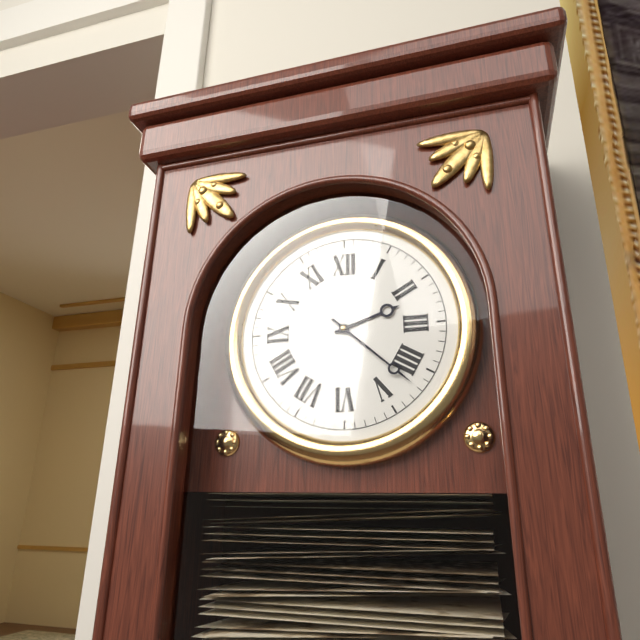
2:22
